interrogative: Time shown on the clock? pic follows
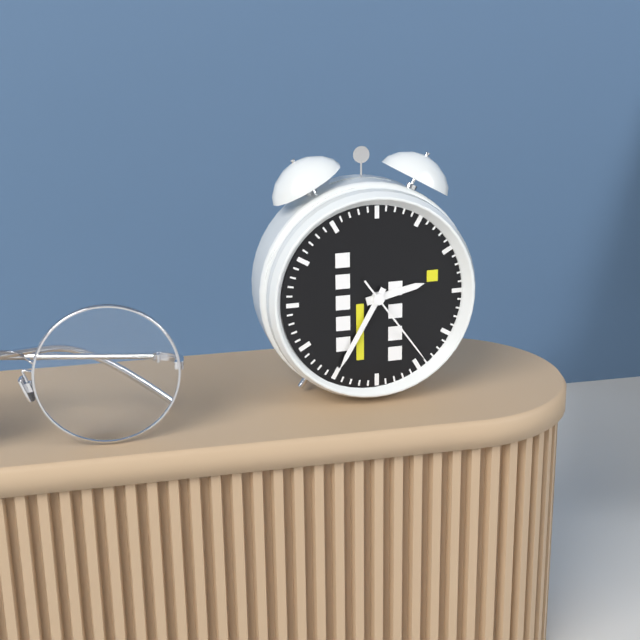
2:35:24
